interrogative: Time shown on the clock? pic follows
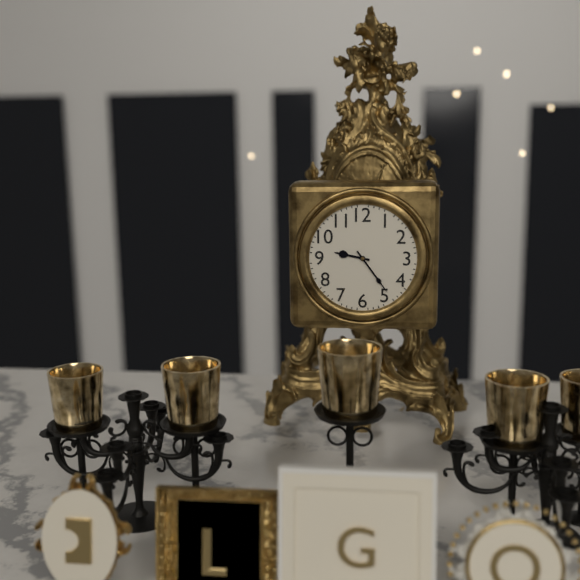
9:24
